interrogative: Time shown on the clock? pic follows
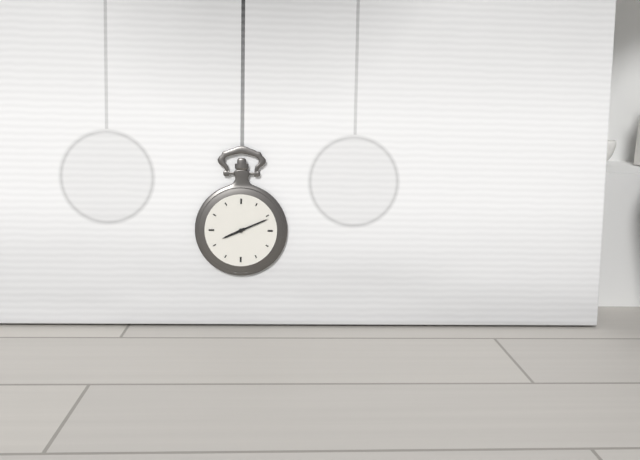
8:11
